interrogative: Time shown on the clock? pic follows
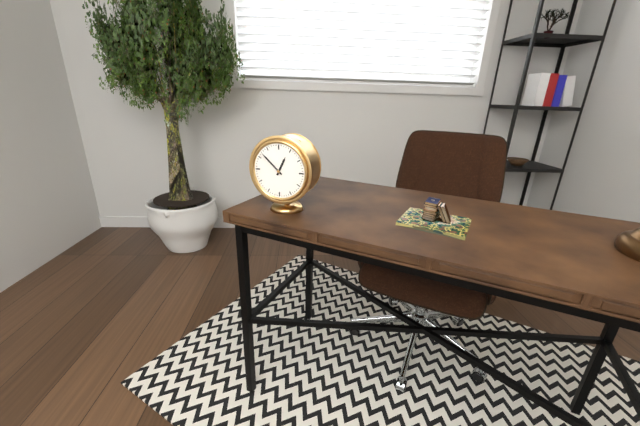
12:52
